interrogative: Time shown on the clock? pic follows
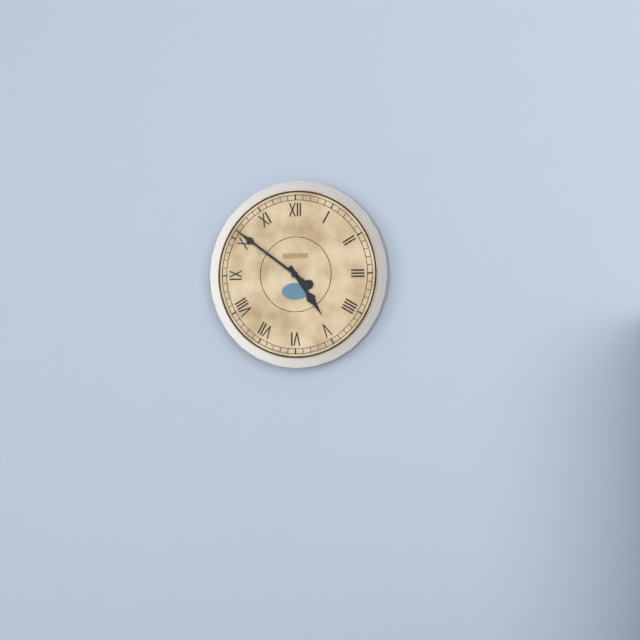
4:51
